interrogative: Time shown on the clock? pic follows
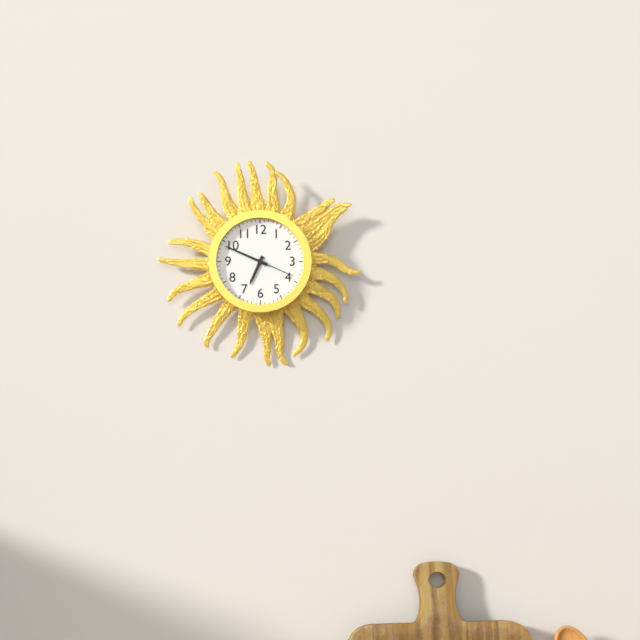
6:49
